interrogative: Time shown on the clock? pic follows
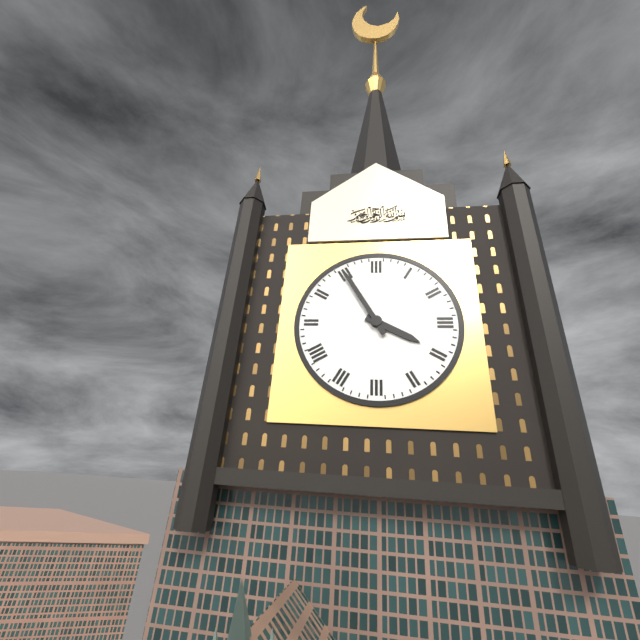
3:55
